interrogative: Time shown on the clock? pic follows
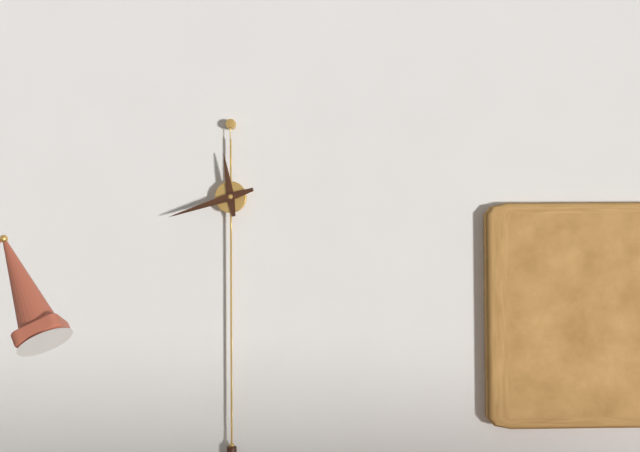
11:42
